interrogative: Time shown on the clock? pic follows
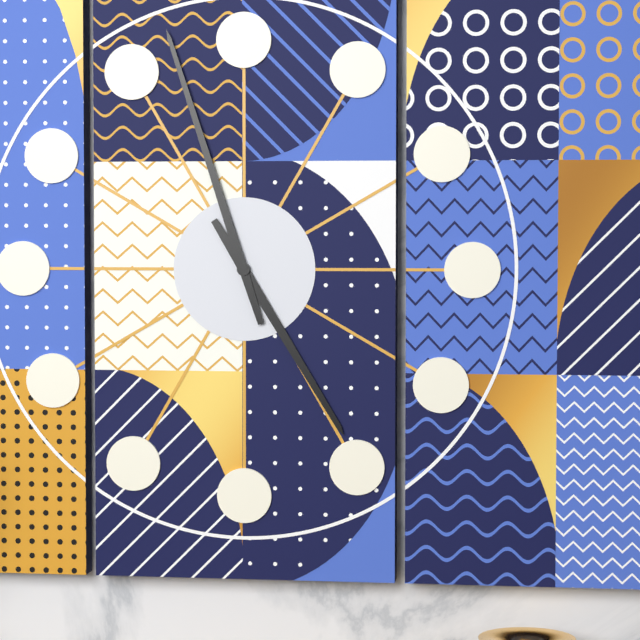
4:57
